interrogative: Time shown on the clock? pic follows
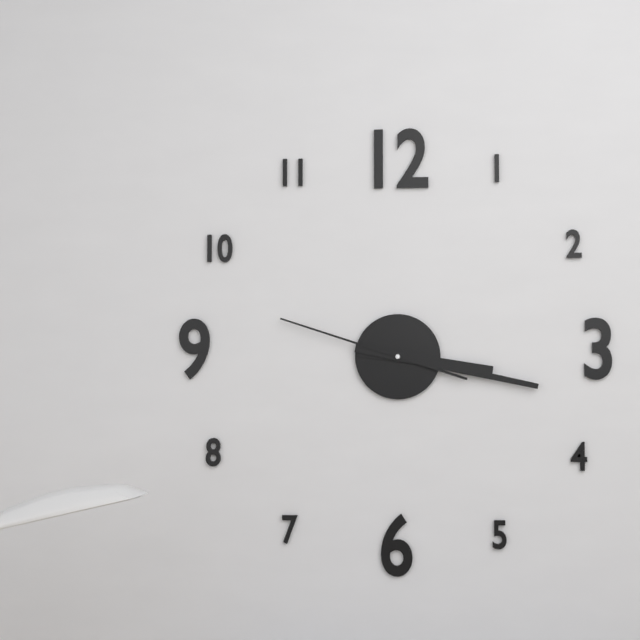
3:17:48
